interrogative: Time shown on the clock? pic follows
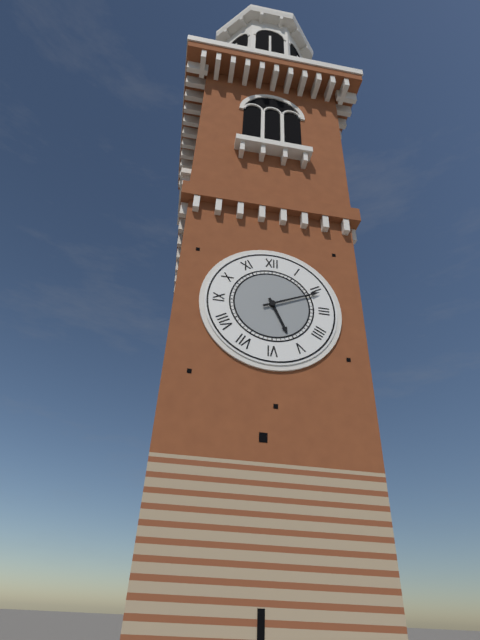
5:11
